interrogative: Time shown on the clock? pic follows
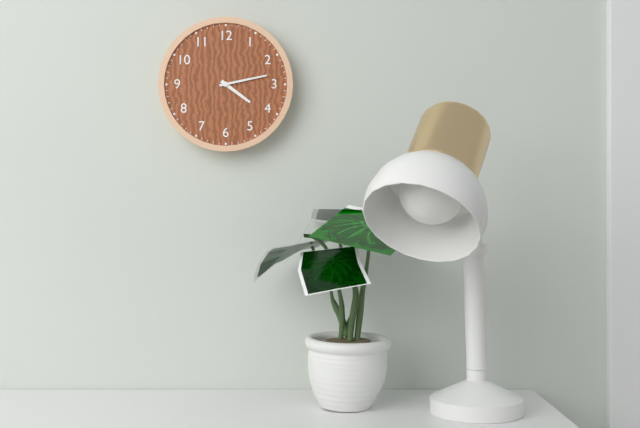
4:13
